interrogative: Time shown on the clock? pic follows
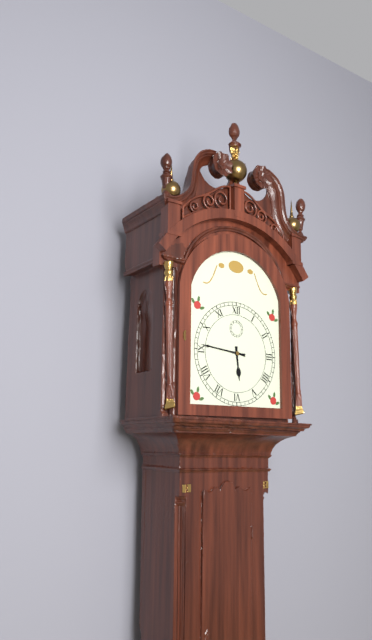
5:46
